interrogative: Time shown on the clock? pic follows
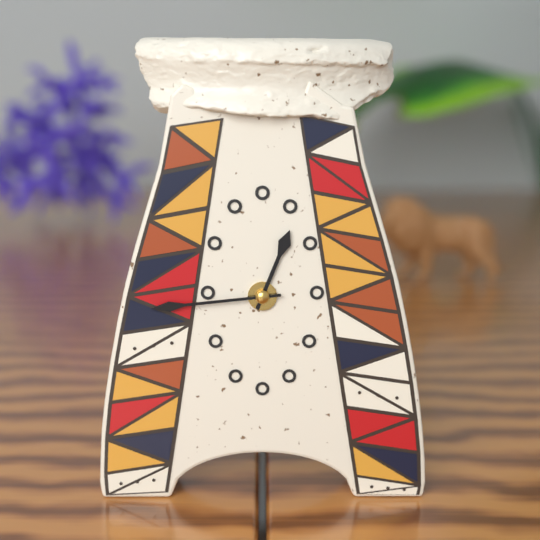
12:44
